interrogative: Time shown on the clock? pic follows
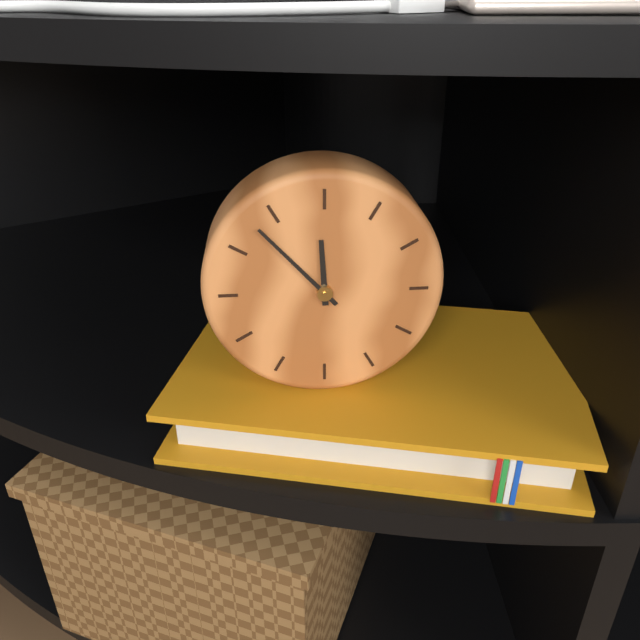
11:53
